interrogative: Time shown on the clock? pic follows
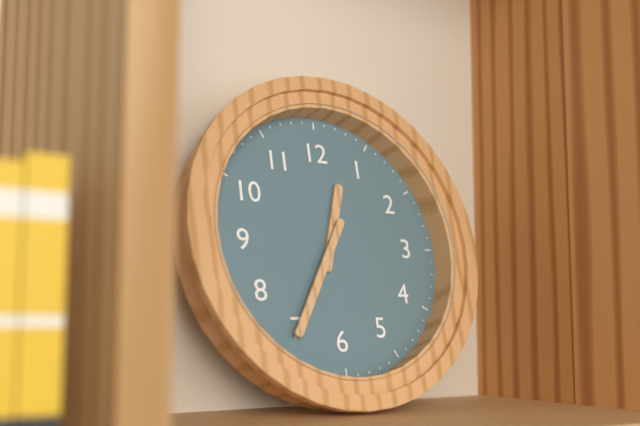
12:35
